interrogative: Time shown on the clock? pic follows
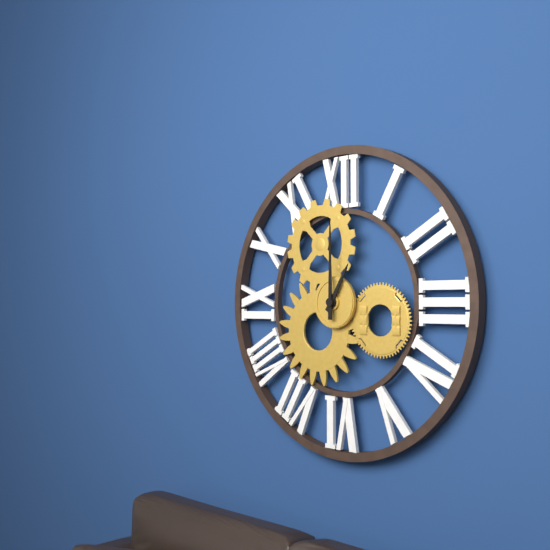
1:00
